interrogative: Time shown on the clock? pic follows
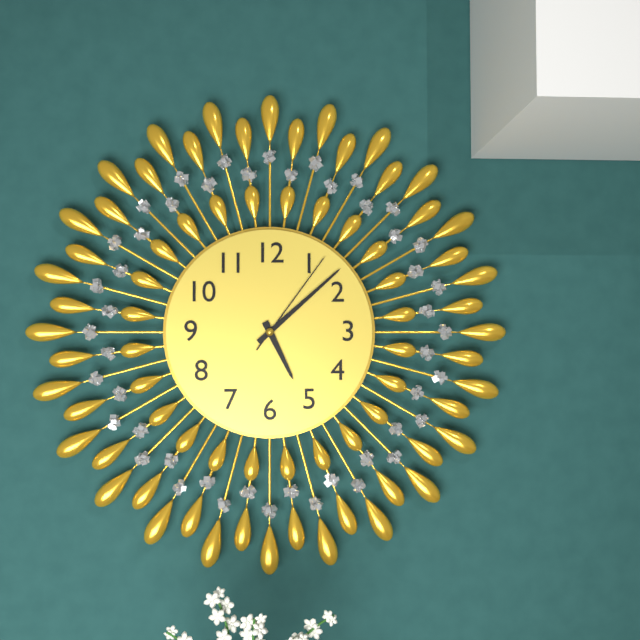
5:08:06
